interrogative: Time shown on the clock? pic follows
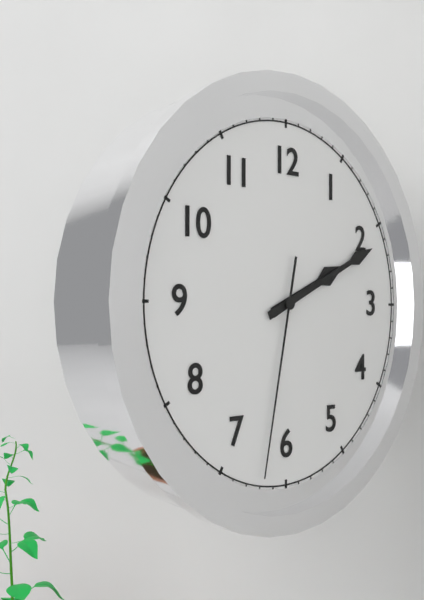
2:11:32
